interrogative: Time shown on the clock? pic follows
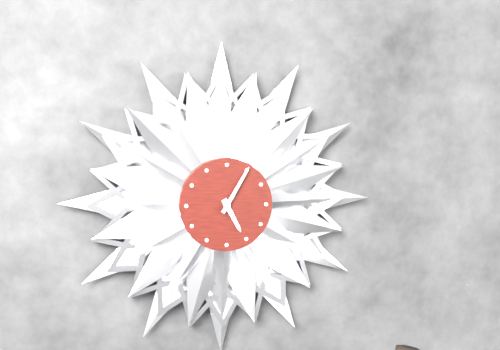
5:05
